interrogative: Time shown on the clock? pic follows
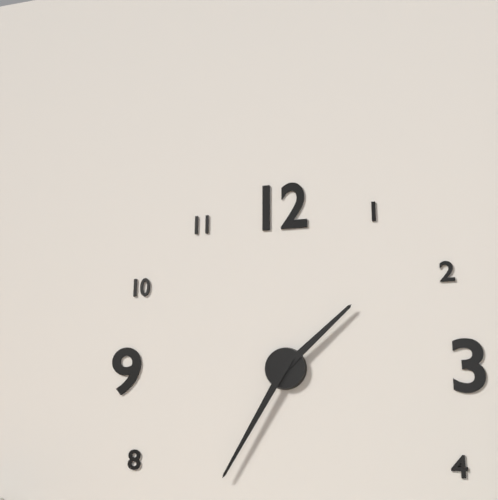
1:35
